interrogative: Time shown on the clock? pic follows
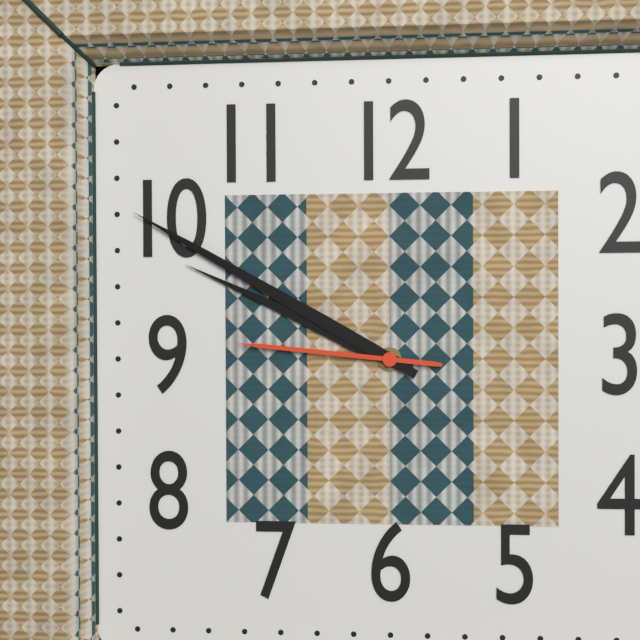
9:50:46
